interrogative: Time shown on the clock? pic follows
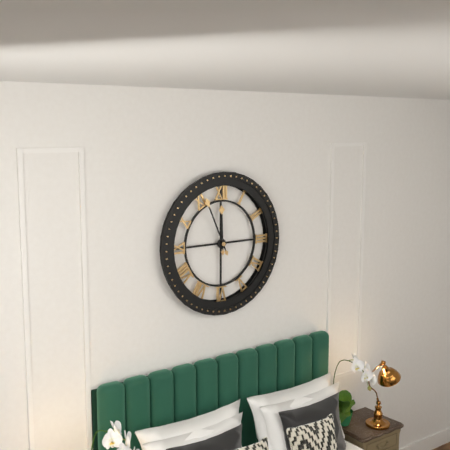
11:56
